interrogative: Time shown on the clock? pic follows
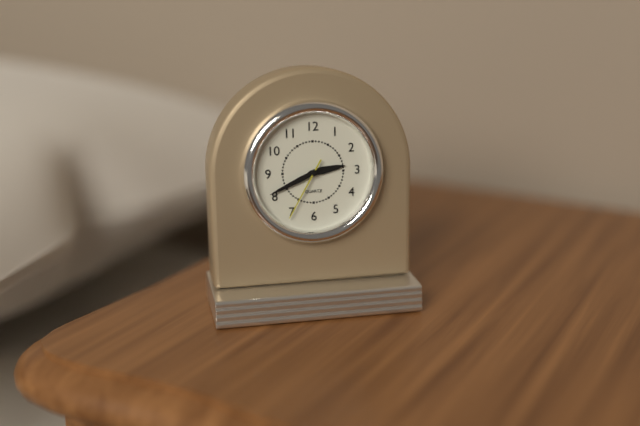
2:41:35
